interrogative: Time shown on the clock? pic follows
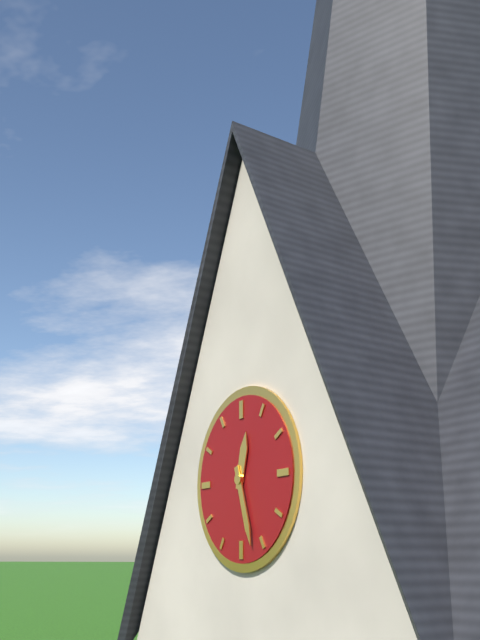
12:27
